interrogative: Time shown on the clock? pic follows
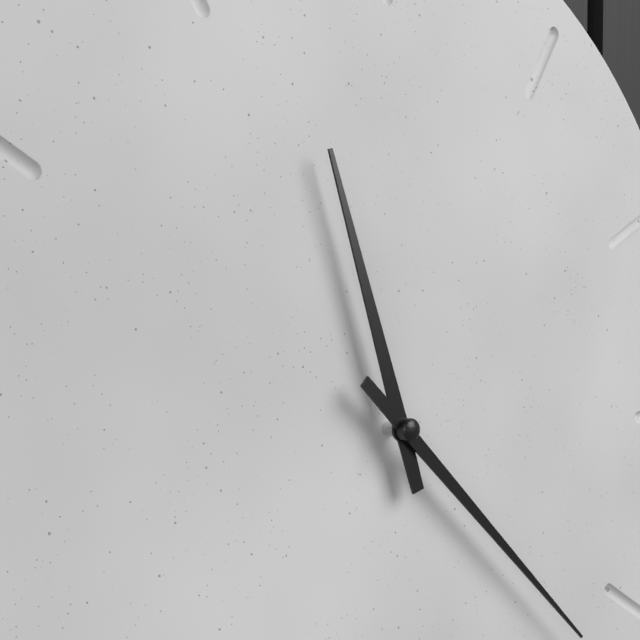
11:22
